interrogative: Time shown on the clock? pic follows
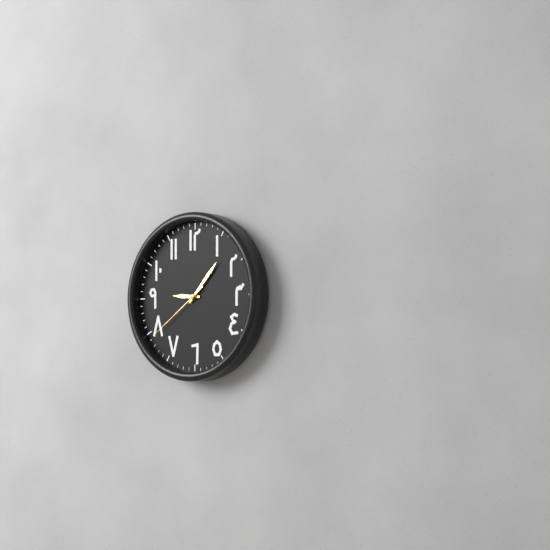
9:07:39
